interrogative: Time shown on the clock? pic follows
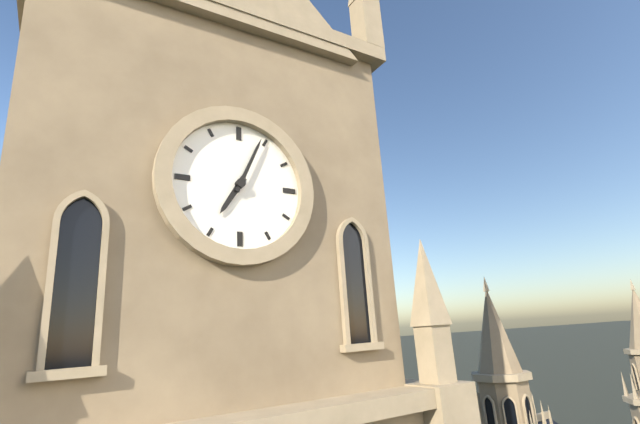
7:04
